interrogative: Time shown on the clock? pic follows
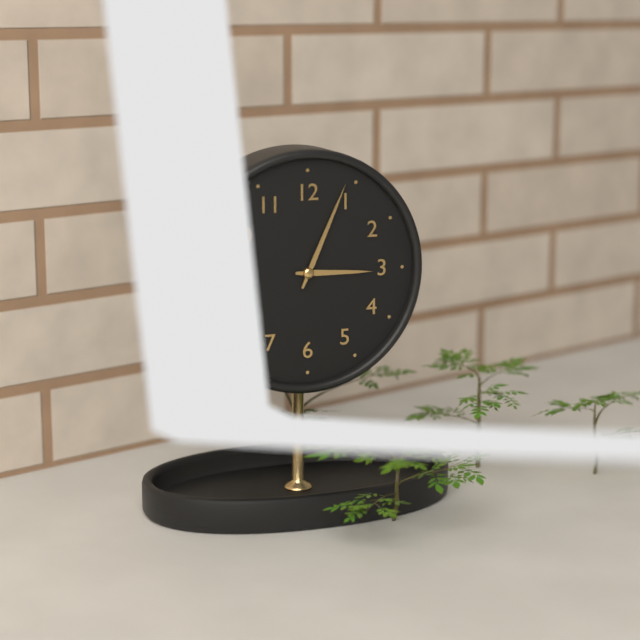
3:04
